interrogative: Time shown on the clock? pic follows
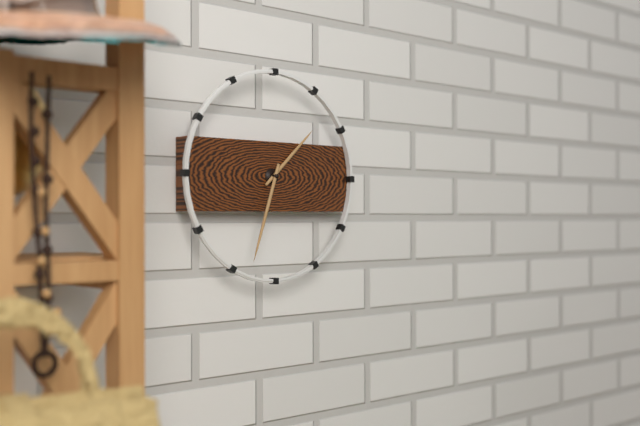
1:33
